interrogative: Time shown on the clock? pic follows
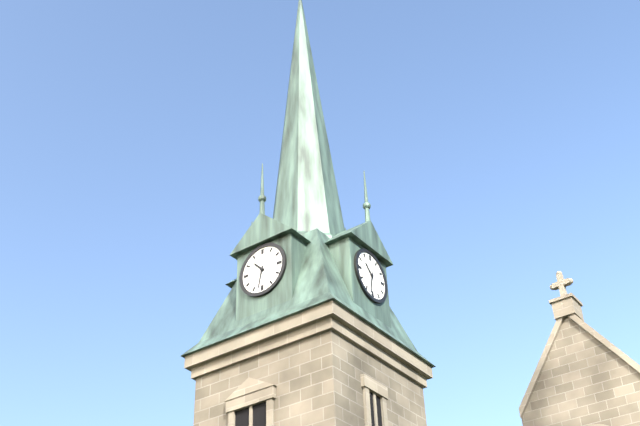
10:32
